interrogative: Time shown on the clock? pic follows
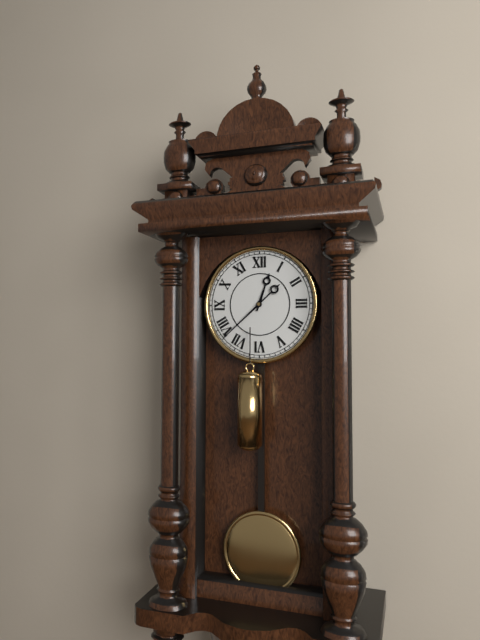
12:38
